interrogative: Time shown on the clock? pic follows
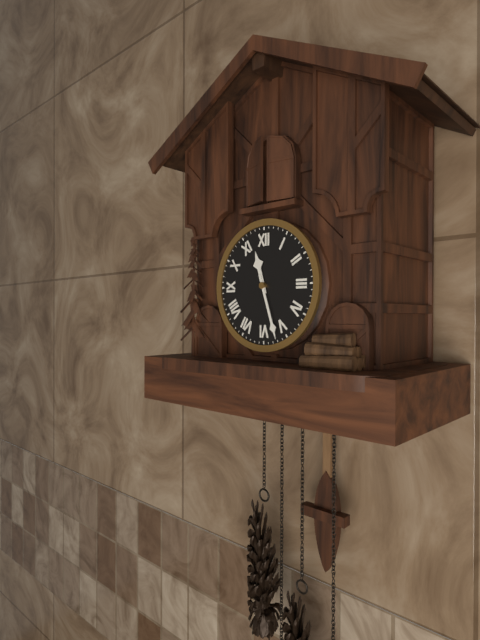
11:27
